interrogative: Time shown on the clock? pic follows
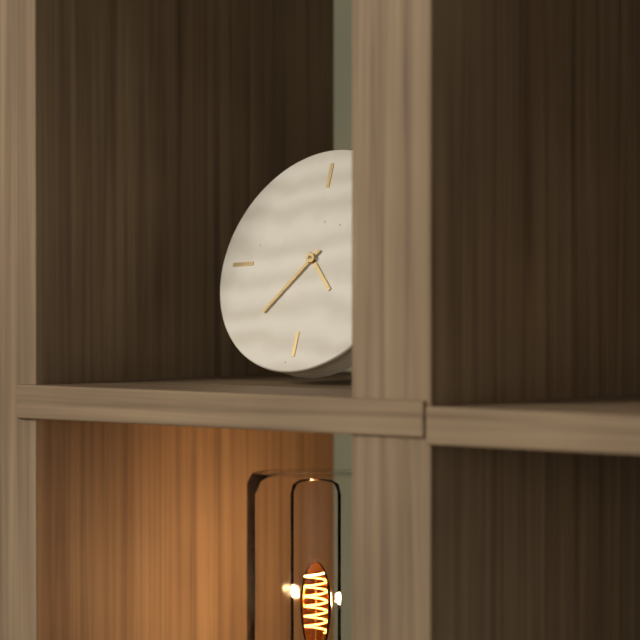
4:37
